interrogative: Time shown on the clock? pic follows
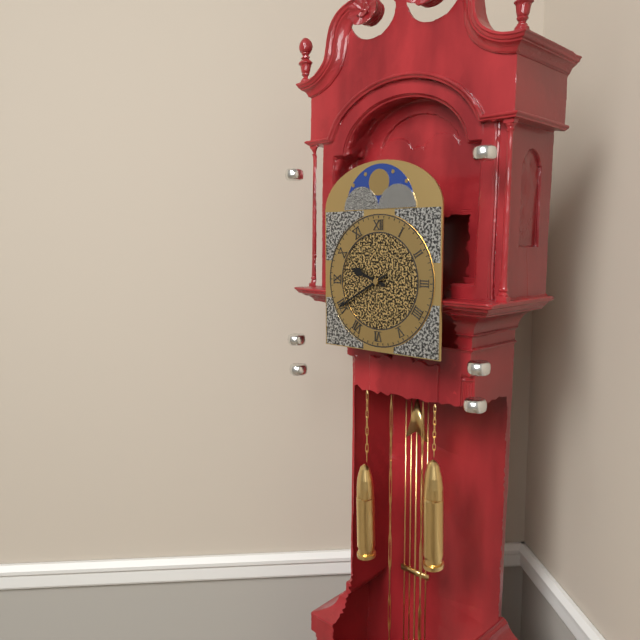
9:40
